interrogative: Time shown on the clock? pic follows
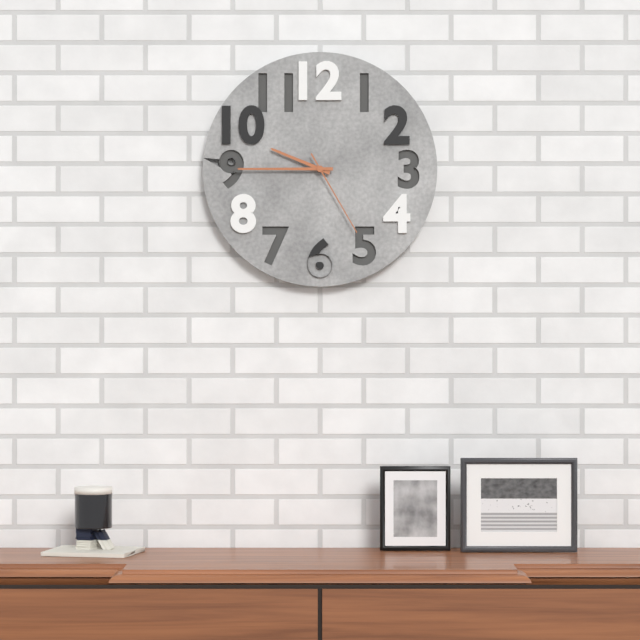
9:45:25
